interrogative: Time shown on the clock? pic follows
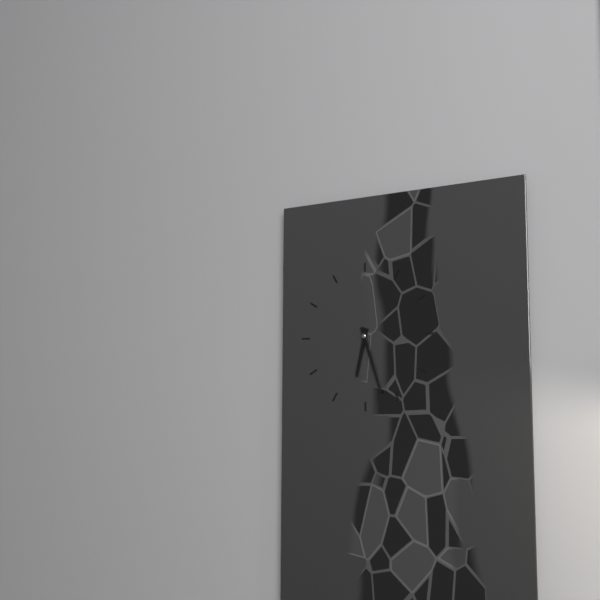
6:27
